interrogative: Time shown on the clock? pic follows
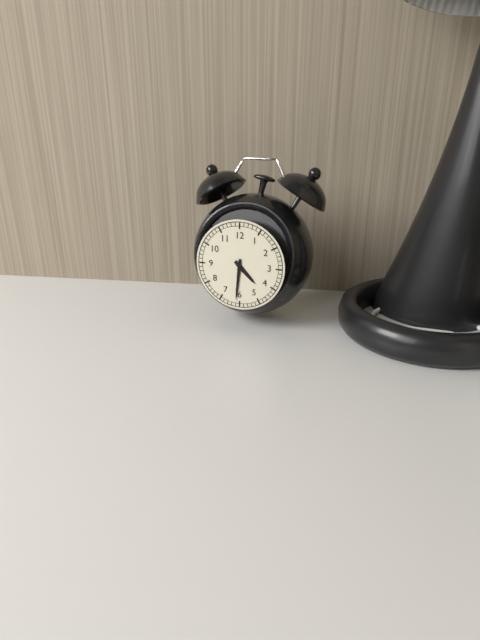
4:31
